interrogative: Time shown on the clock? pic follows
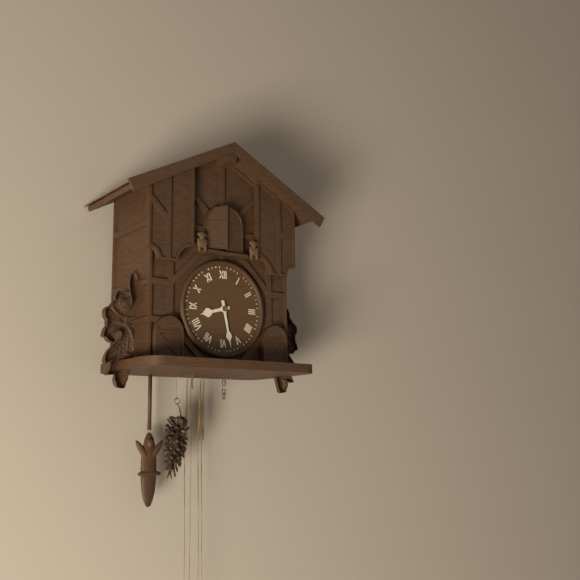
8:28
